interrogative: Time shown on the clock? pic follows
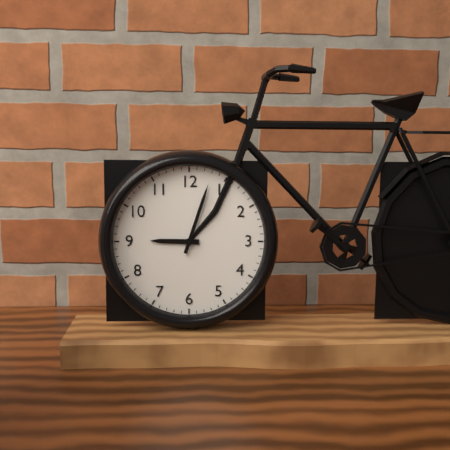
9:03
